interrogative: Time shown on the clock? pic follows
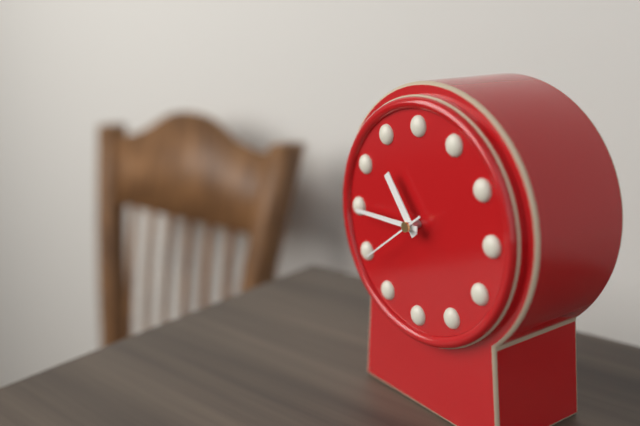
10:45:39
